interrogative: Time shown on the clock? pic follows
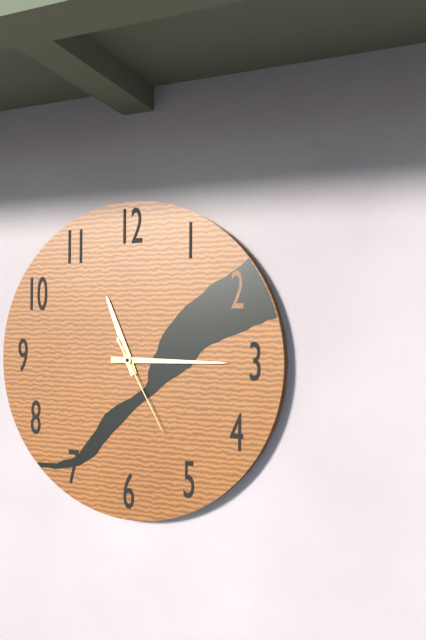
11:15:25
